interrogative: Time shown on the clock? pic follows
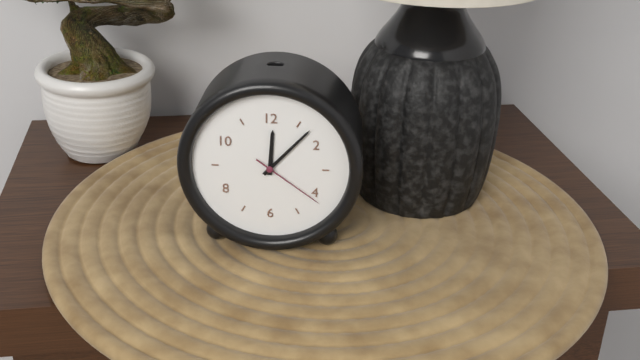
12:07:21
